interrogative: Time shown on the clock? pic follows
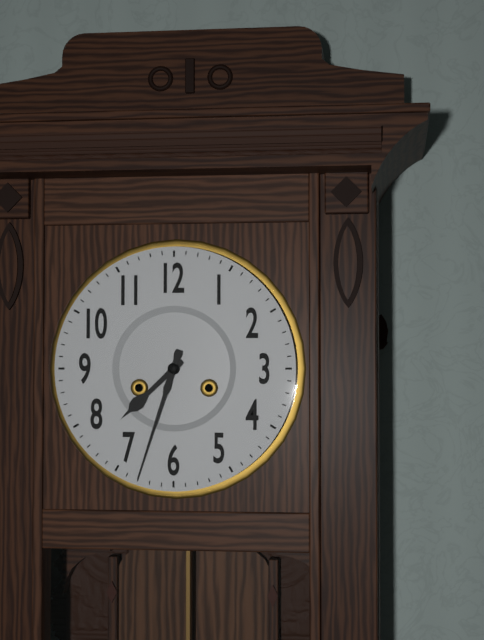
7:33
